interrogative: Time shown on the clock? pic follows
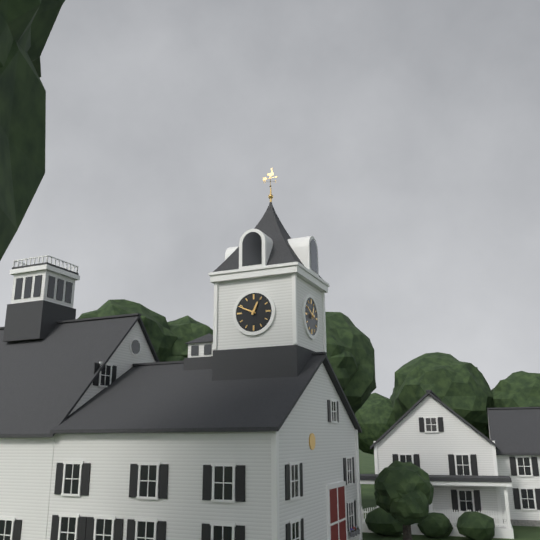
12:49
